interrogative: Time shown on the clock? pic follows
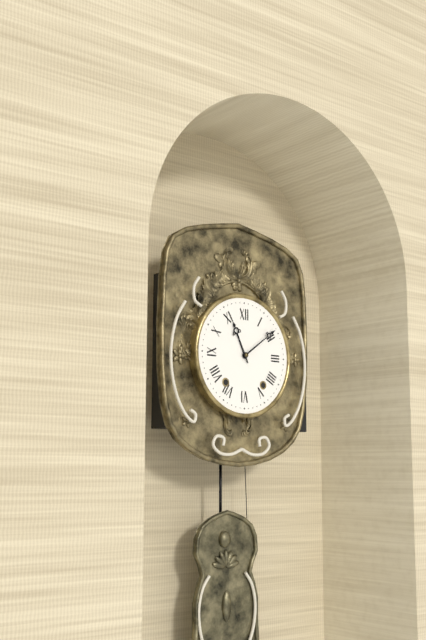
11:09
